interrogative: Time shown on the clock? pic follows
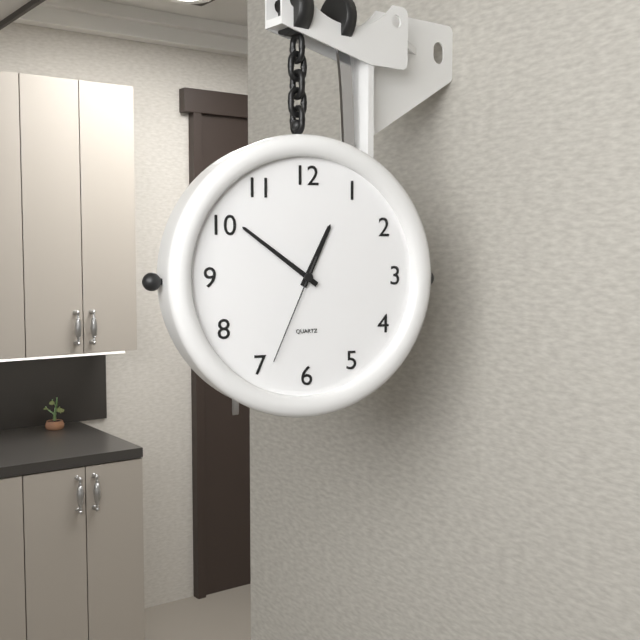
12:51:34
